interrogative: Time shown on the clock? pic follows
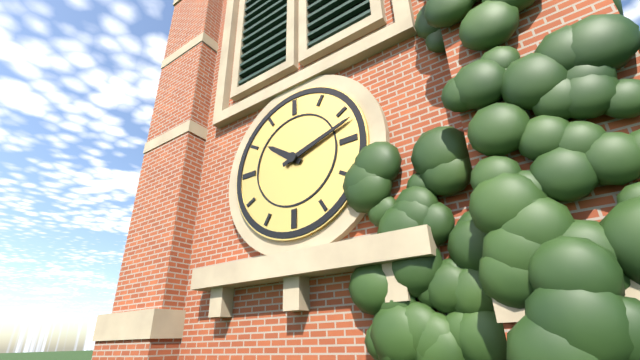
10:12
